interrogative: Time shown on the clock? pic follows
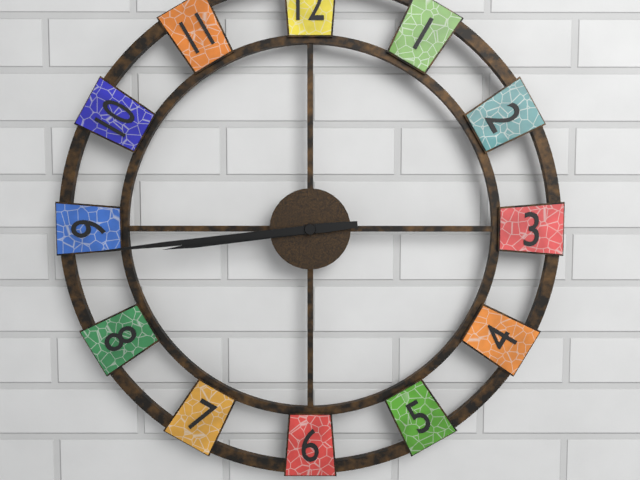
8:44
